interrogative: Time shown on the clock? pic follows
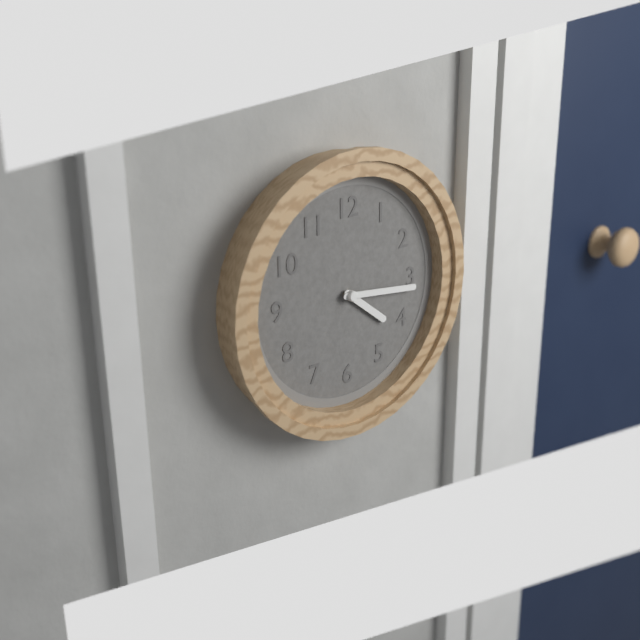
4:16
